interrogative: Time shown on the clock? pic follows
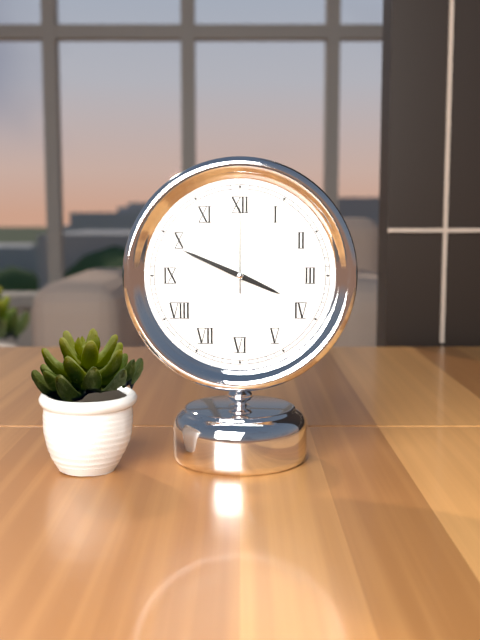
3:49:00
